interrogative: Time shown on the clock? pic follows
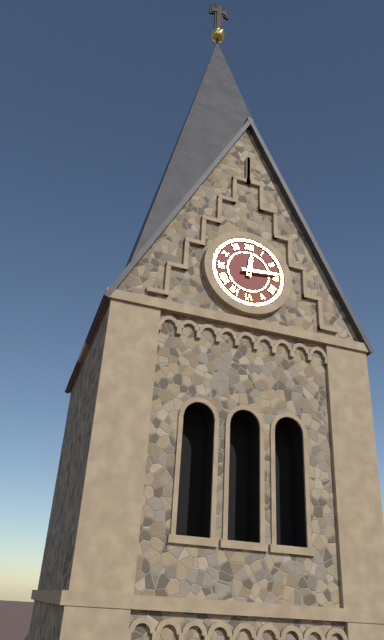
12:14
